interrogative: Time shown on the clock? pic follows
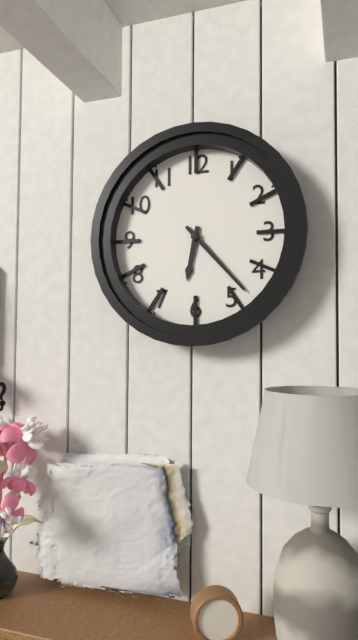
6:23
